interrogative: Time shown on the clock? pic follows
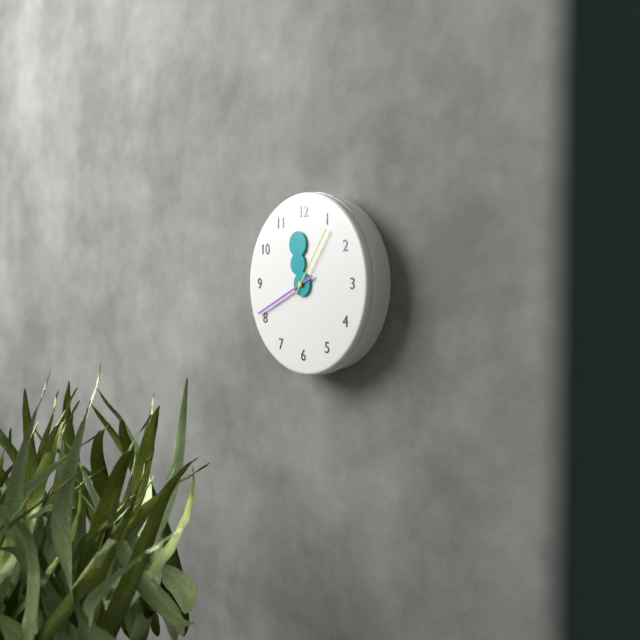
11:41:06
